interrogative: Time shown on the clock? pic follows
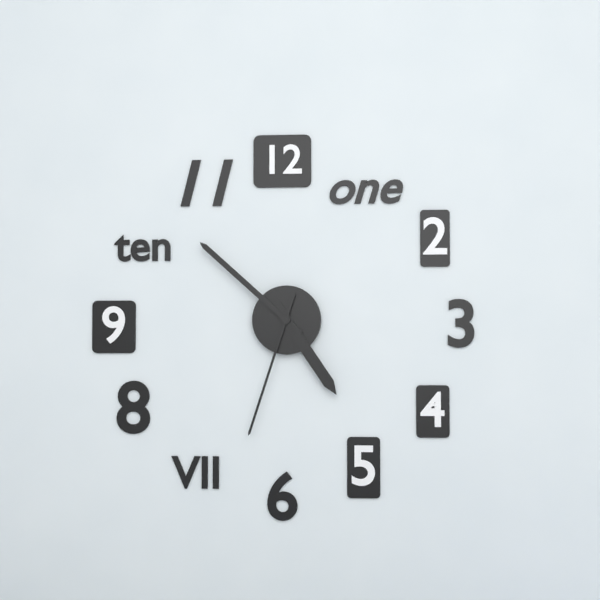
4:52:33
